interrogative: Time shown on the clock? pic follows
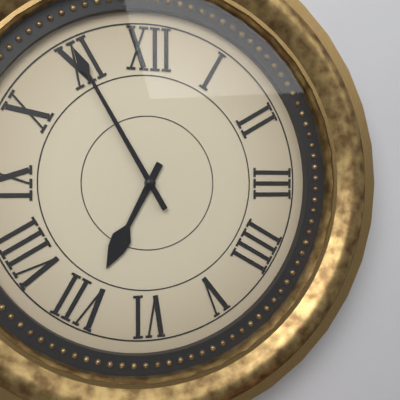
6:55
